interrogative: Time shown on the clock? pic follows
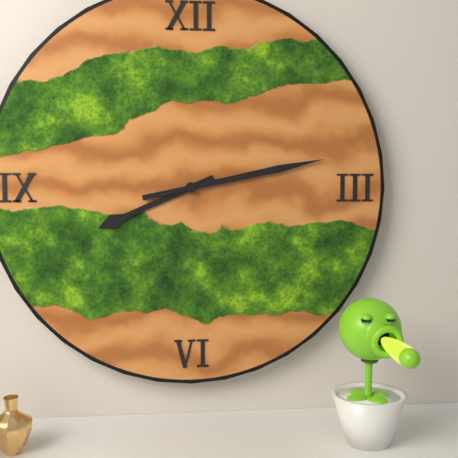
8:13
